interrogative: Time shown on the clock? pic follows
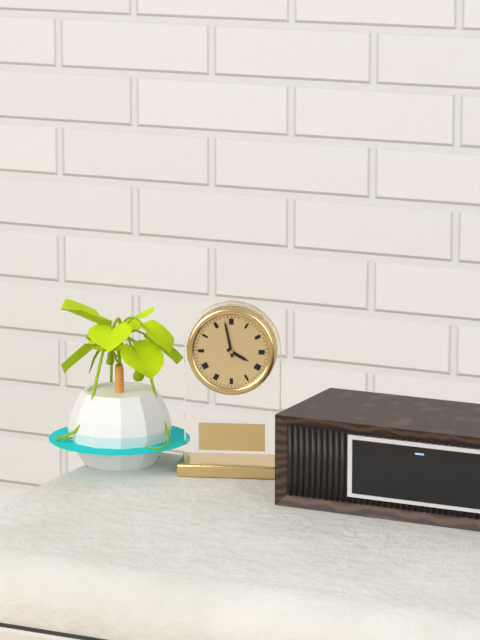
3:58
